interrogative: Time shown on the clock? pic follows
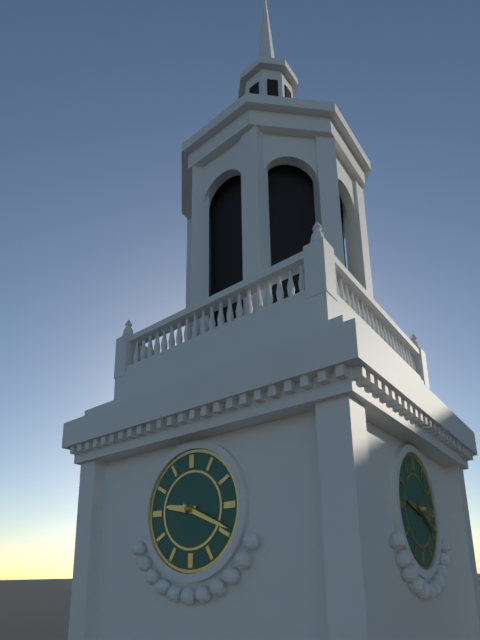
9:19
